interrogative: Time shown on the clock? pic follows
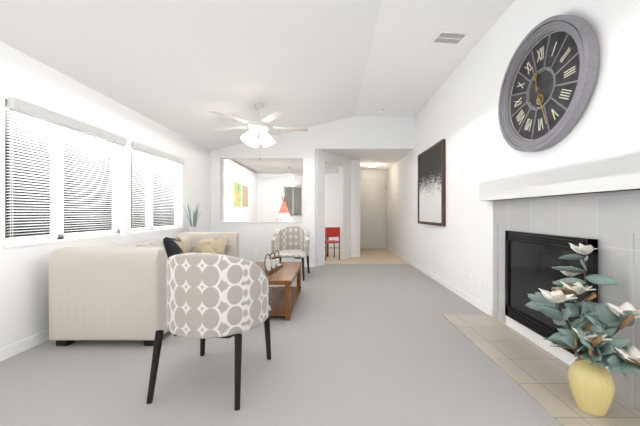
11:27
